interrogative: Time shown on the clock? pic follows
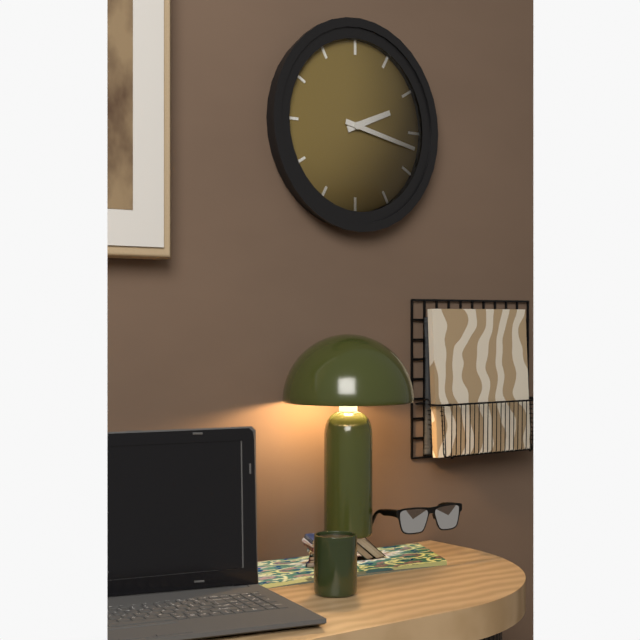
2:17
